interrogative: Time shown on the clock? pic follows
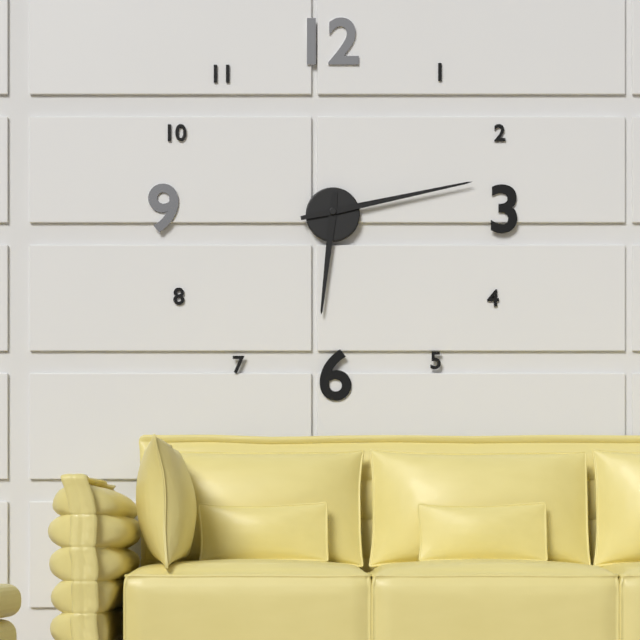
6:13
